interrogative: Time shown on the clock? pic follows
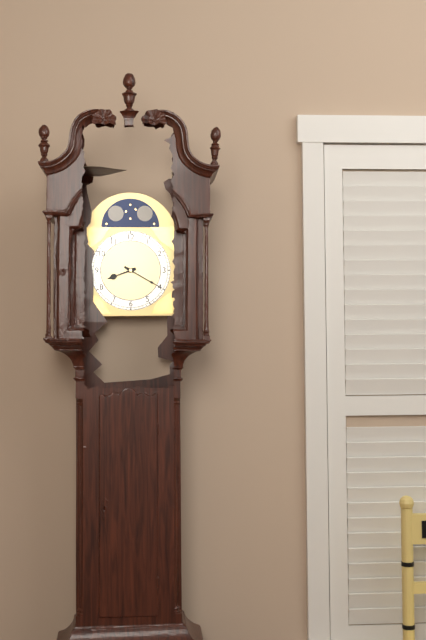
8:20
